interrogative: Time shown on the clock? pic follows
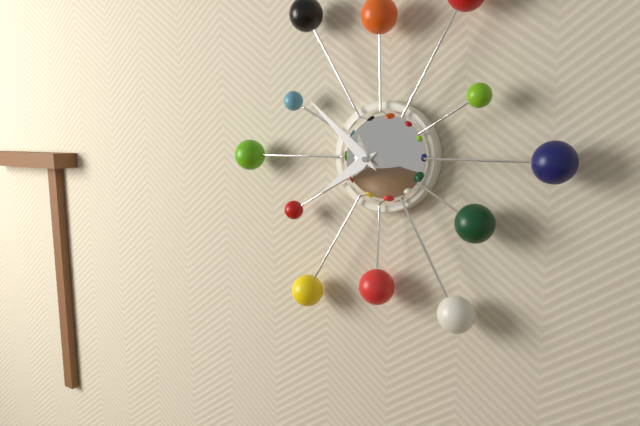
7:52
